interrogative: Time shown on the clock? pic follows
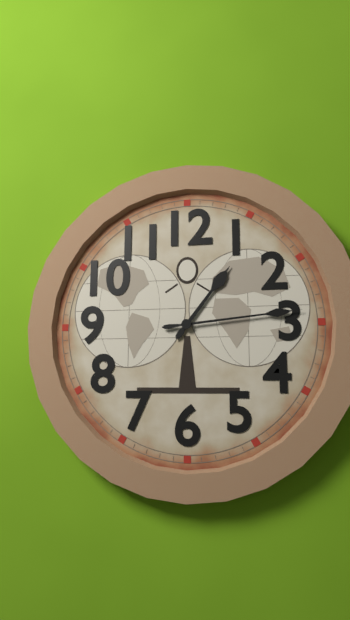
1:14
